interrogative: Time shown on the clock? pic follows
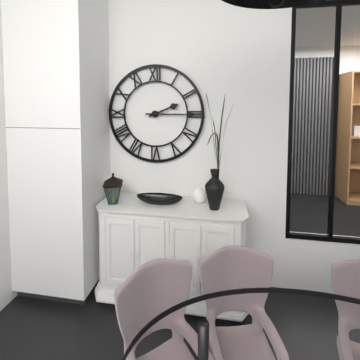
2:15
